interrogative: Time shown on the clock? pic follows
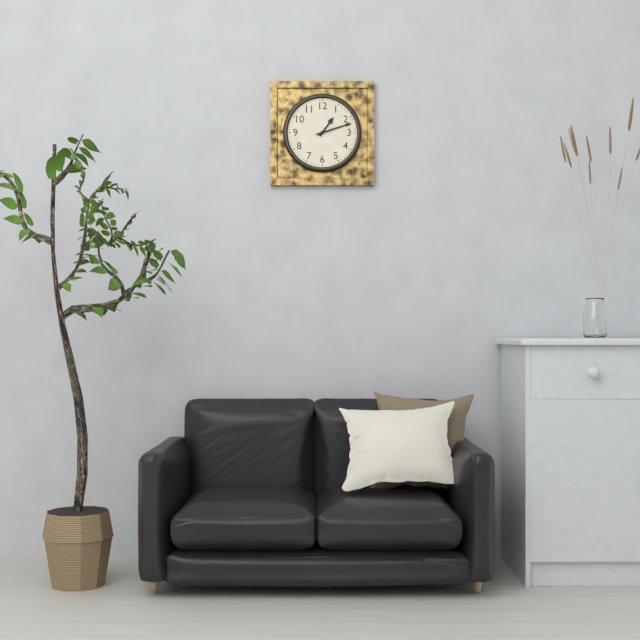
1:12
